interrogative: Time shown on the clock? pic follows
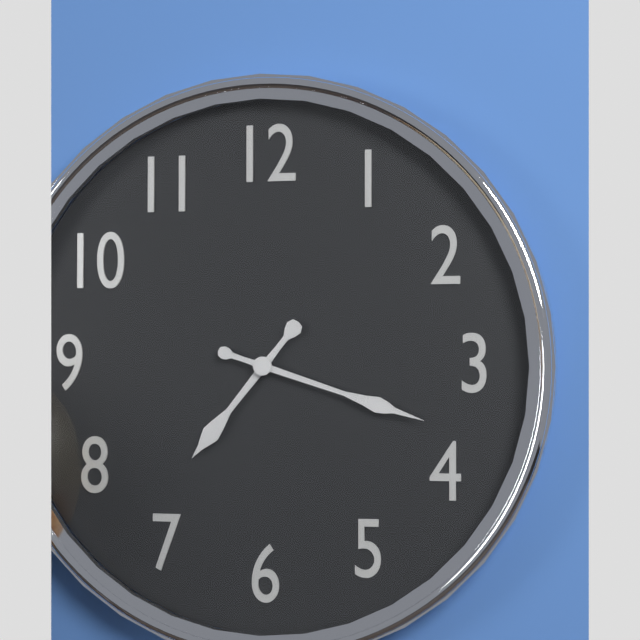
7:18
